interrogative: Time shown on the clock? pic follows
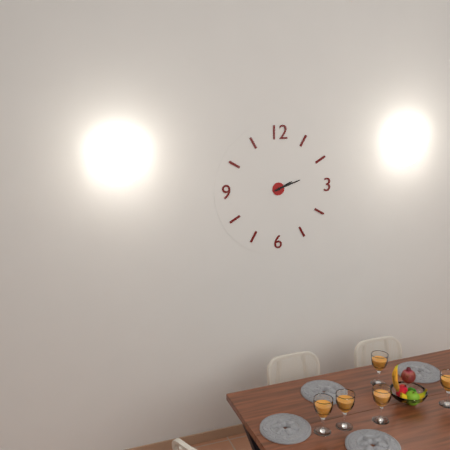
2:12
